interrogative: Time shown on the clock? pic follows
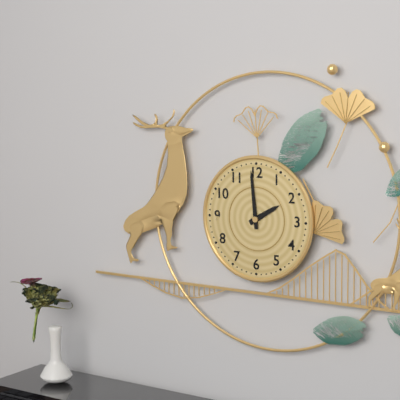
1:59
